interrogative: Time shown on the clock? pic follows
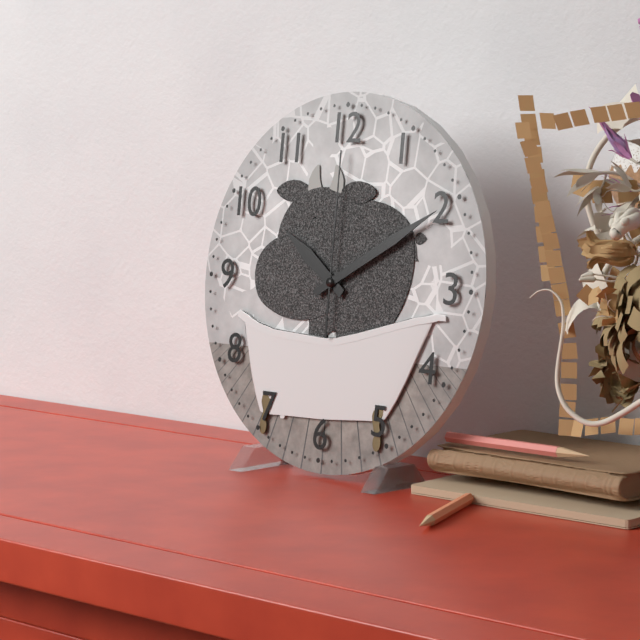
10:10:00
